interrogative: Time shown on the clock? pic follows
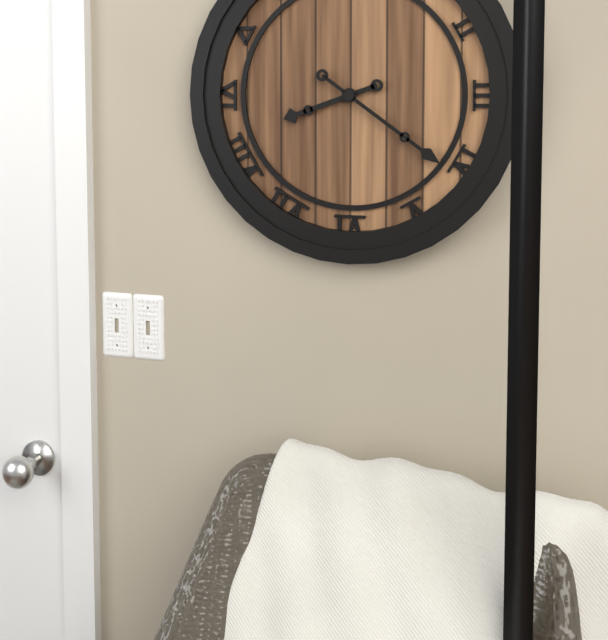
8:21
